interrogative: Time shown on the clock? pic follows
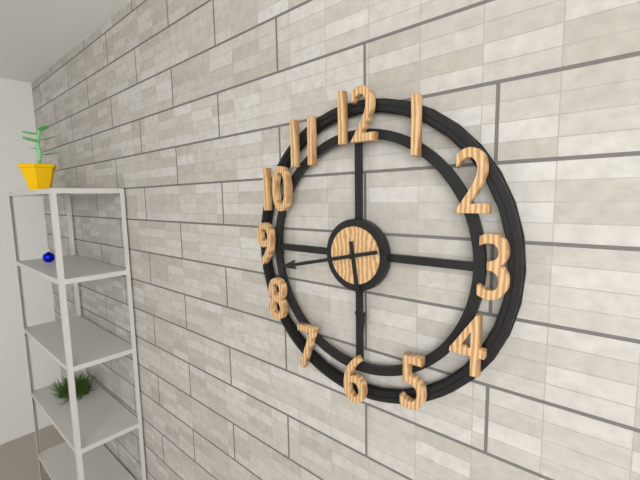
5:43
